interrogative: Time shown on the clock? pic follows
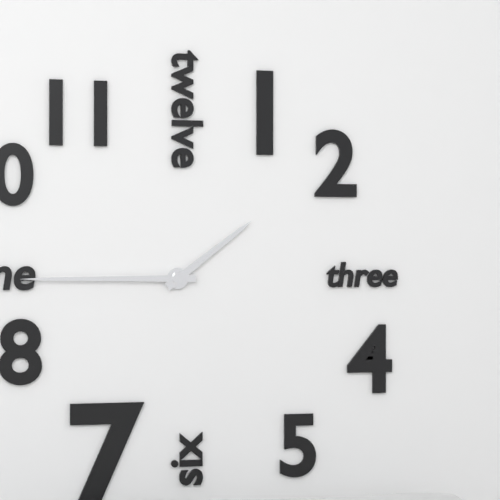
1:45
